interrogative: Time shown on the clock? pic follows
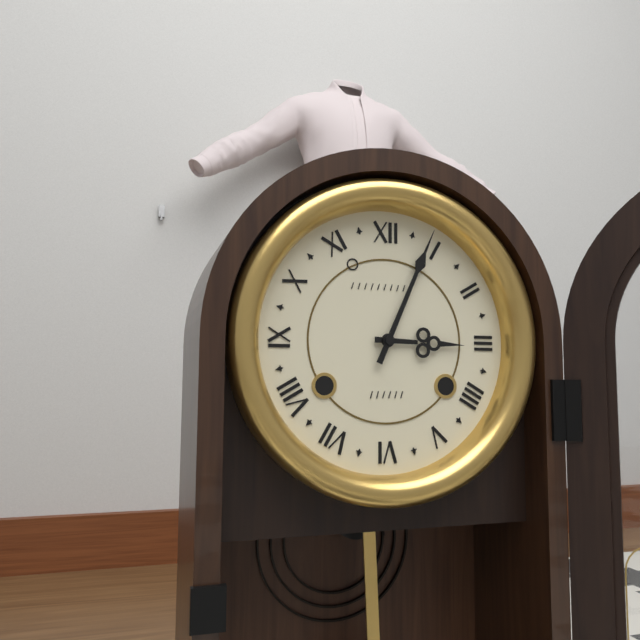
3:04
